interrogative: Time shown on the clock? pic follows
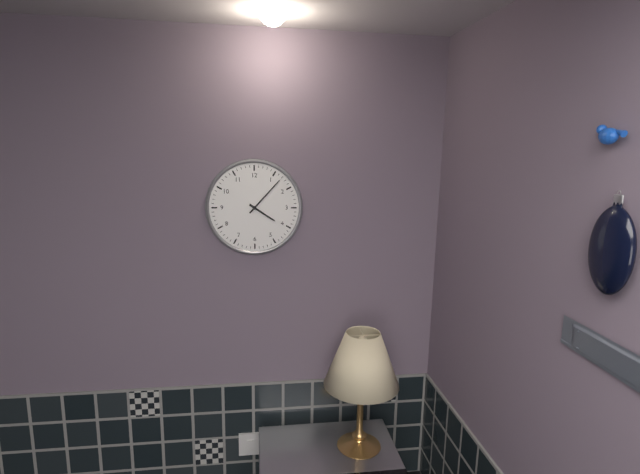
4:07
